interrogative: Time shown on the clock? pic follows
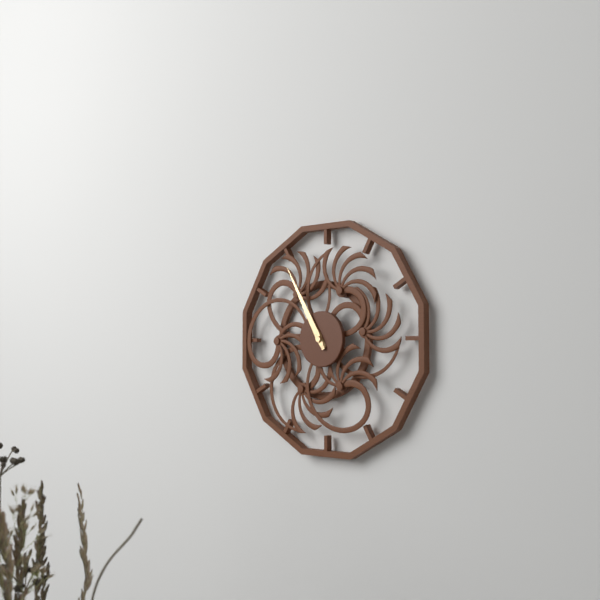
10:55
